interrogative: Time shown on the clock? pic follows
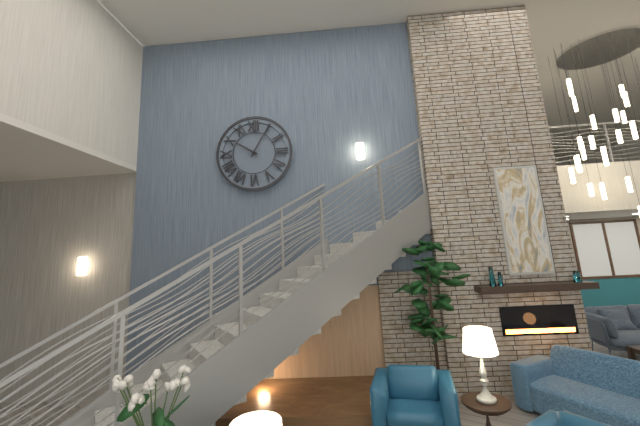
10:05
